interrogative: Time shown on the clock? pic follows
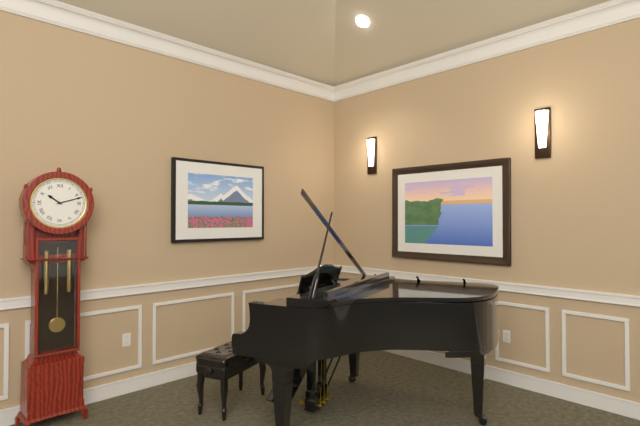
10:12
